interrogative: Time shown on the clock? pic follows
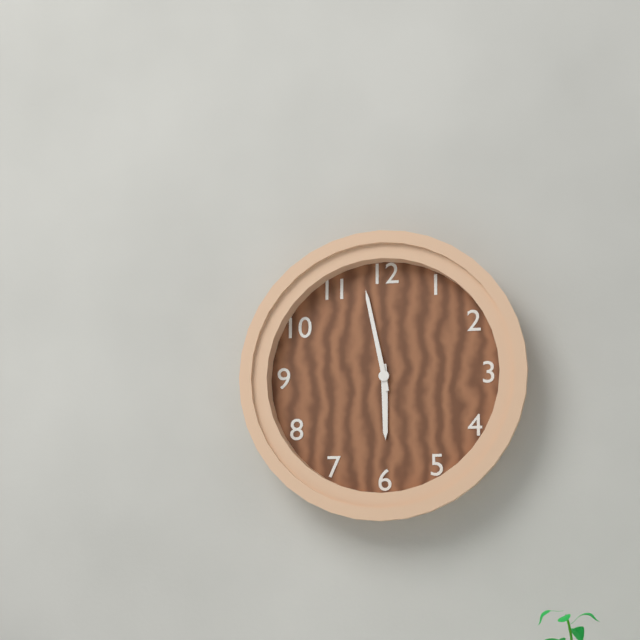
5:58
